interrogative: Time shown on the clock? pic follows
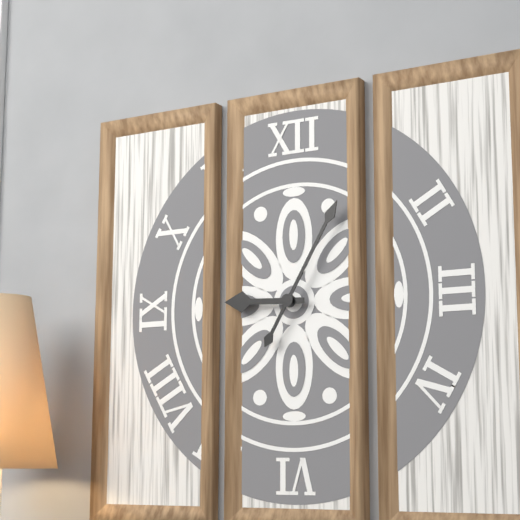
9:05
